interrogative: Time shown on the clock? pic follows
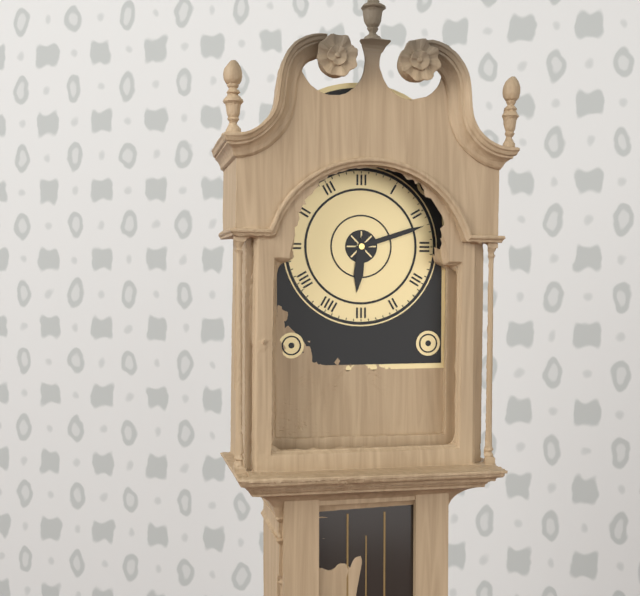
6:12
